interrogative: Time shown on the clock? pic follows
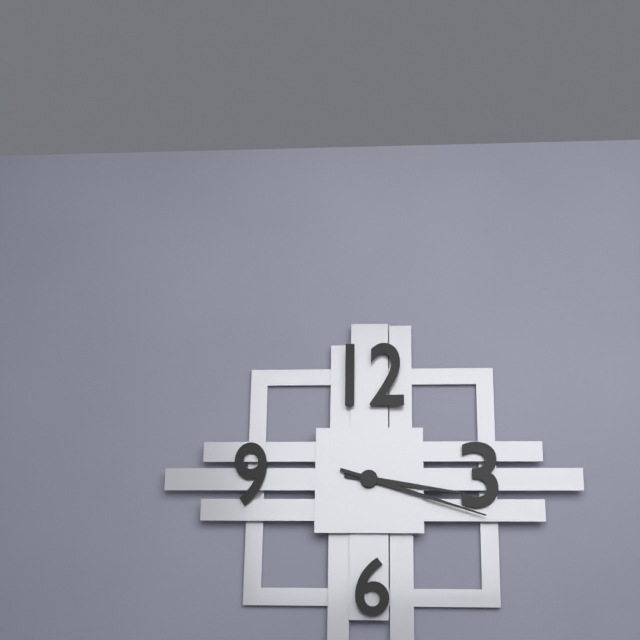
3:18
